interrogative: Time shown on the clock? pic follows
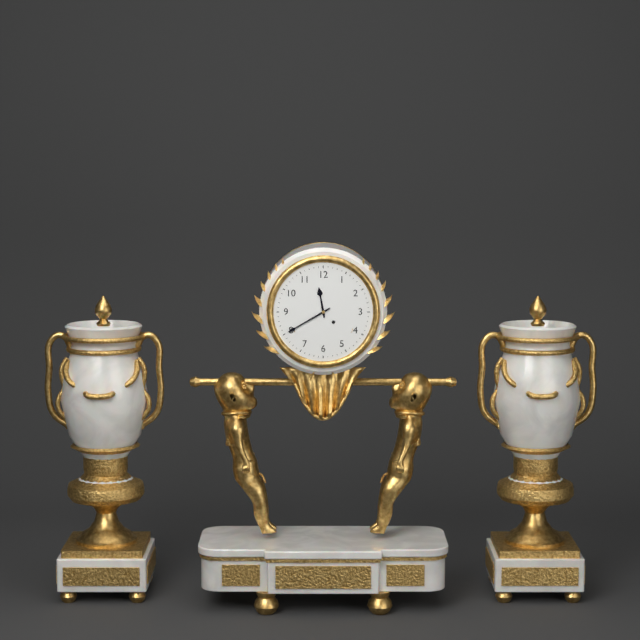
11:40
